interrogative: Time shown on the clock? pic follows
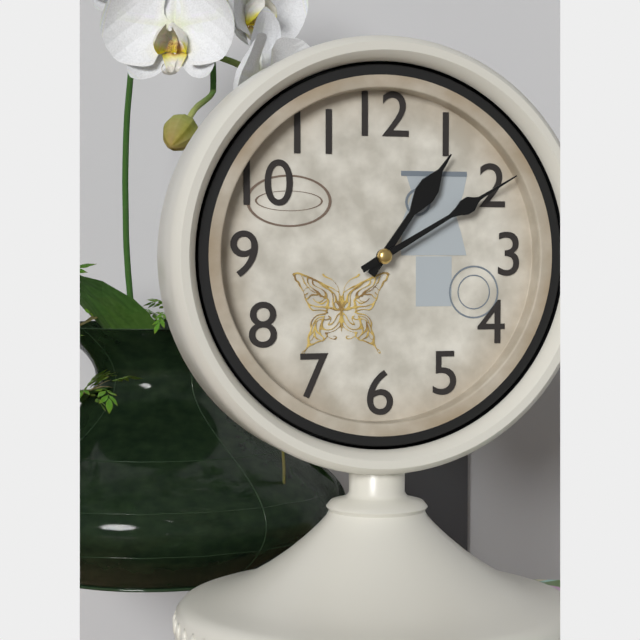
1:10
